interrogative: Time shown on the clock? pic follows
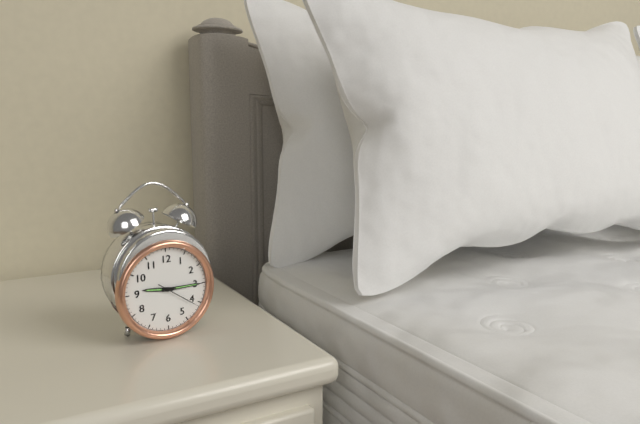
9:15
